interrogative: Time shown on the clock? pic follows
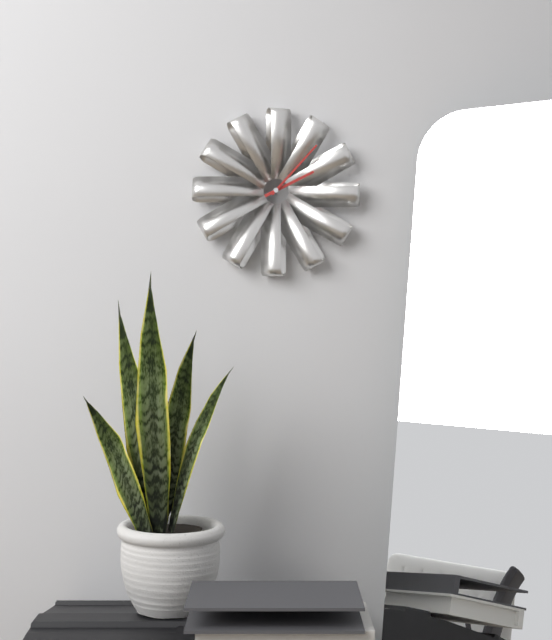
2:07
